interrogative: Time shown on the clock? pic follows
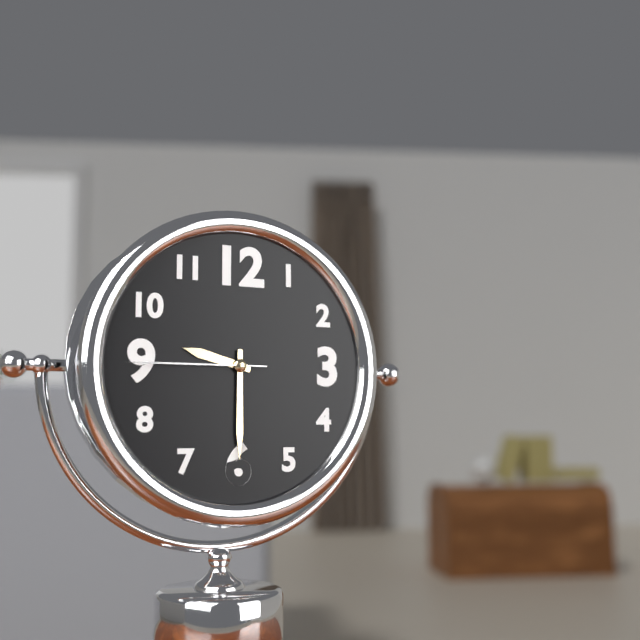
9:30:45
